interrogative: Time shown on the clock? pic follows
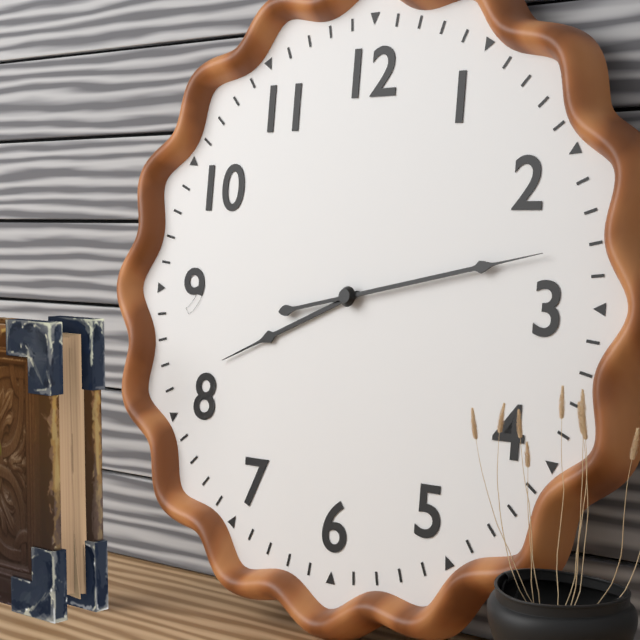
8:13
